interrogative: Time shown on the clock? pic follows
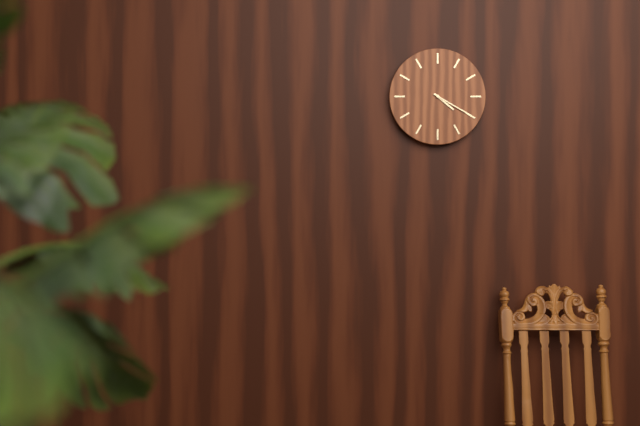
4:20
